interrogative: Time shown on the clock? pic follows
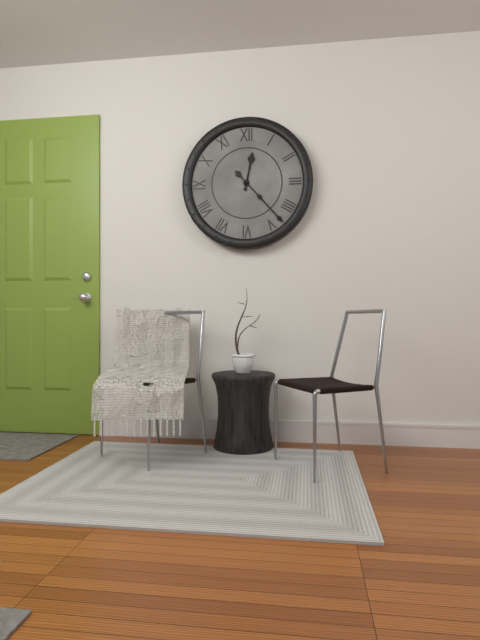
12:23
